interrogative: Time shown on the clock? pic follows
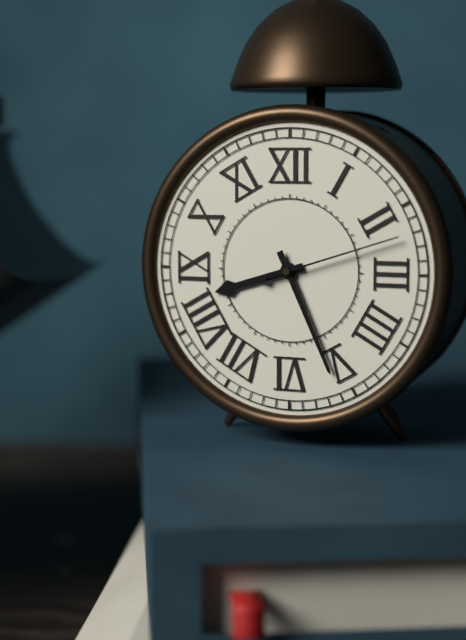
8:26:12
